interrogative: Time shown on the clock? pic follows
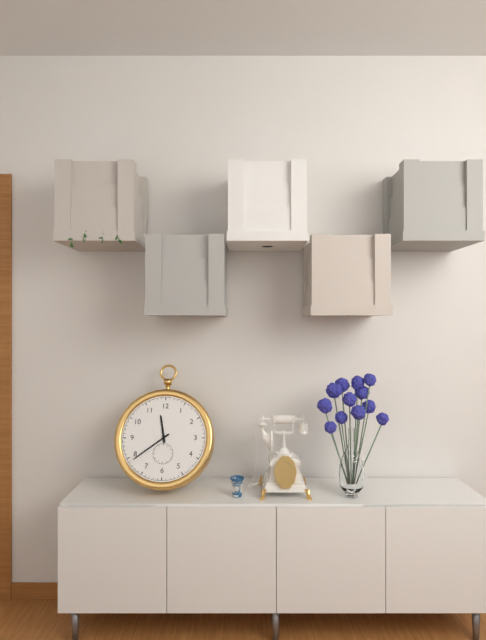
11:39
